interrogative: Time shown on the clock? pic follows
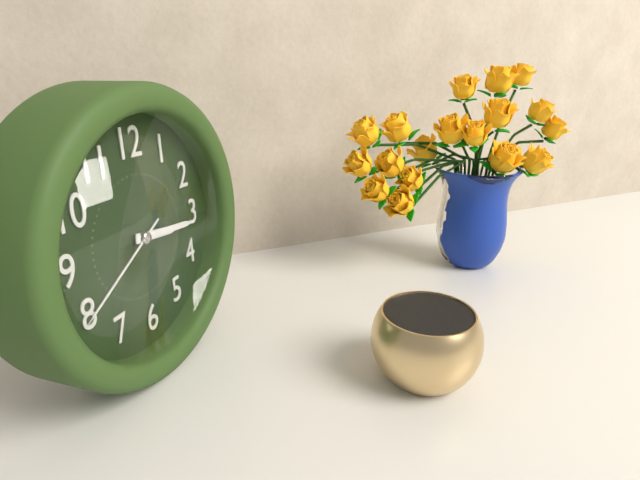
3:16:40
